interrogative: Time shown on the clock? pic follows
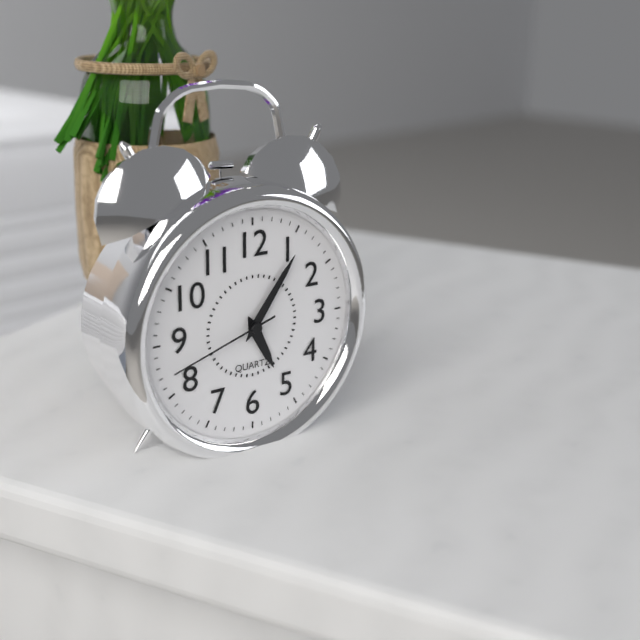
5:06:42
